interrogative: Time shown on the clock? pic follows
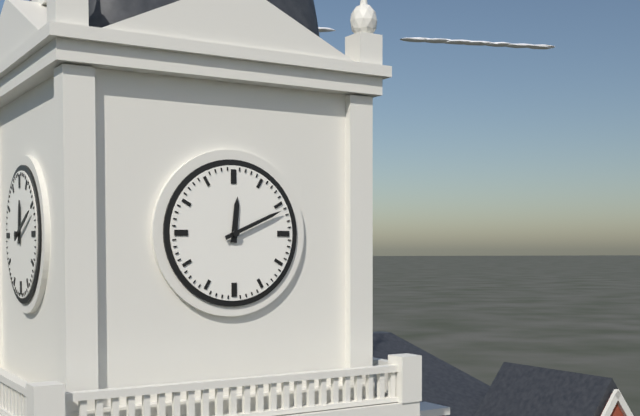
12:11
